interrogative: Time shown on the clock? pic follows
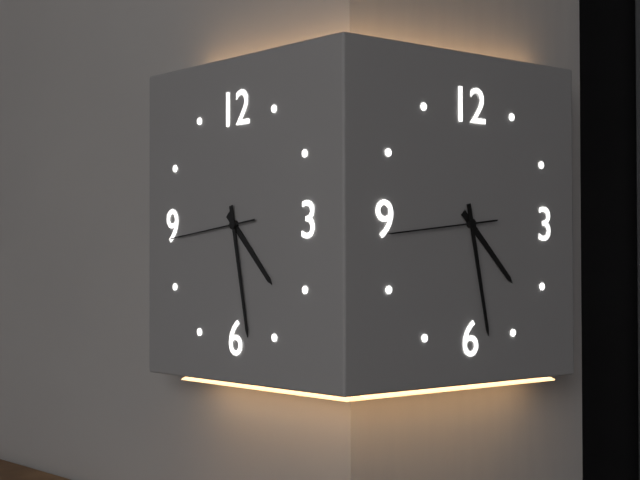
4:28:44
